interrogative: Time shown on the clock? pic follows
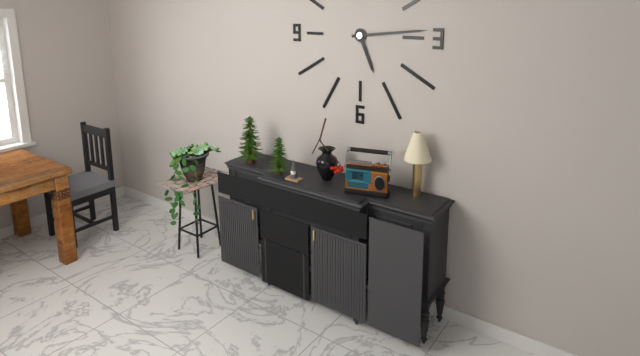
5:14
